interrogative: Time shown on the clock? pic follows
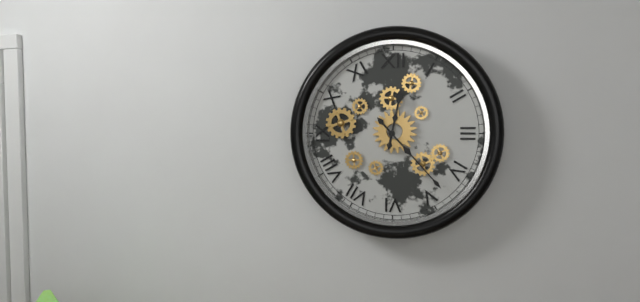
12:23
